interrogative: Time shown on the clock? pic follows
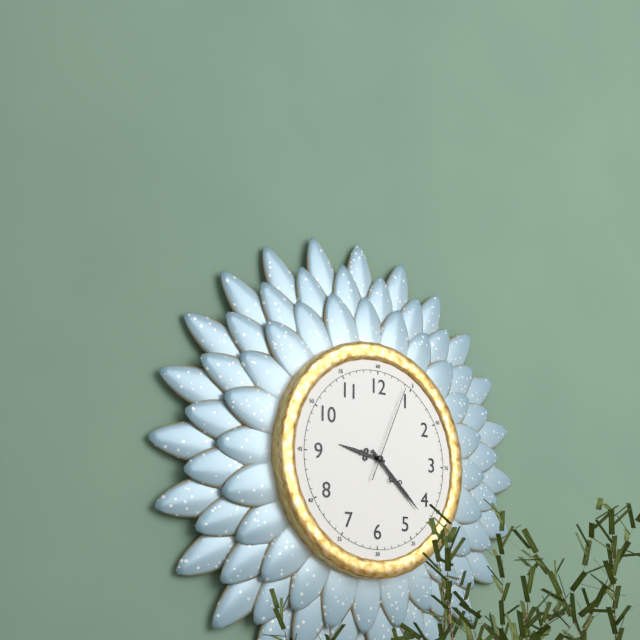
9:22:04
